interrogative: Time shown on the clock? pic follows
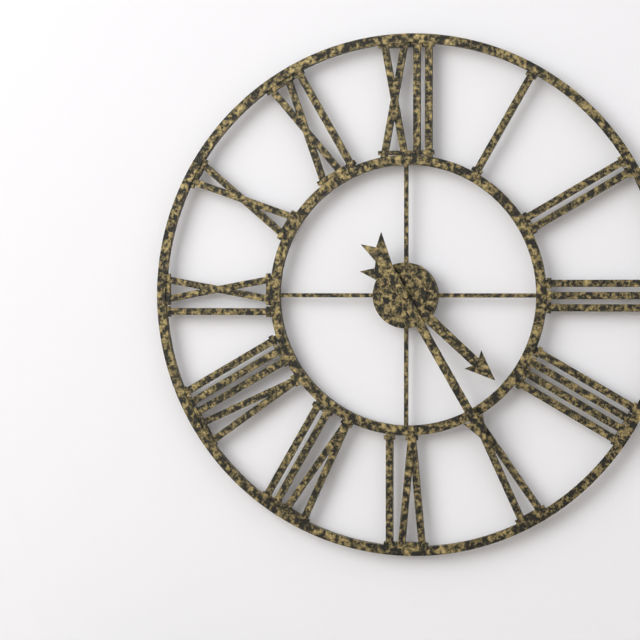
4:25
